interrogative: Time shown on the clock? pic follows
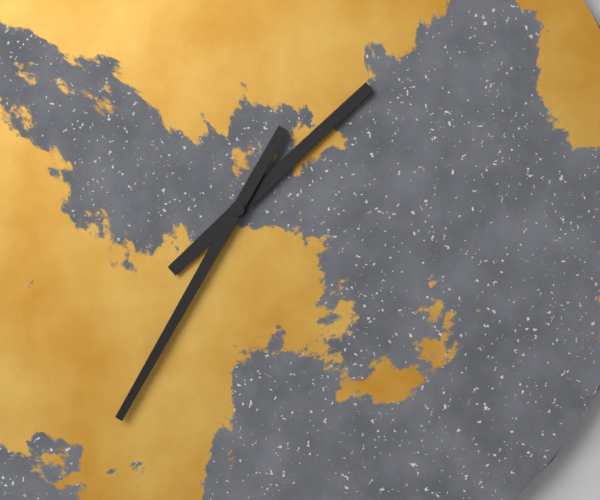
1:35
